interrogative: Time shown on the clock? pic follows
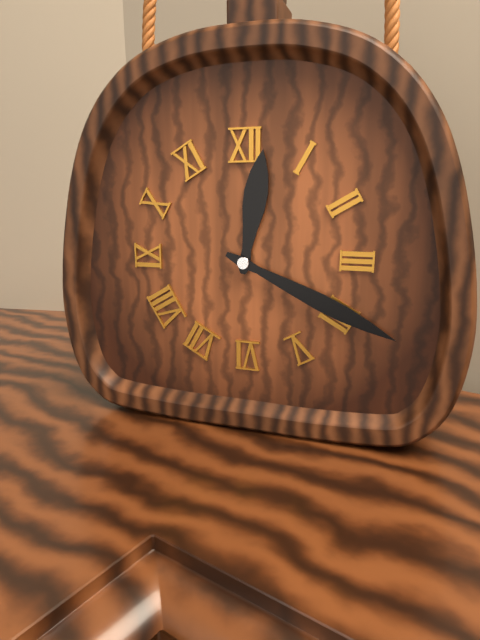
12:19
